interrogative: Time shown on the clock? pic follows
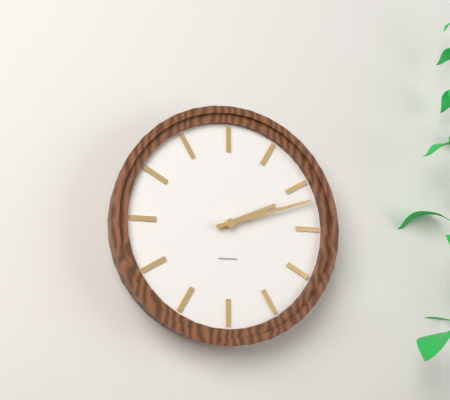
2:12
